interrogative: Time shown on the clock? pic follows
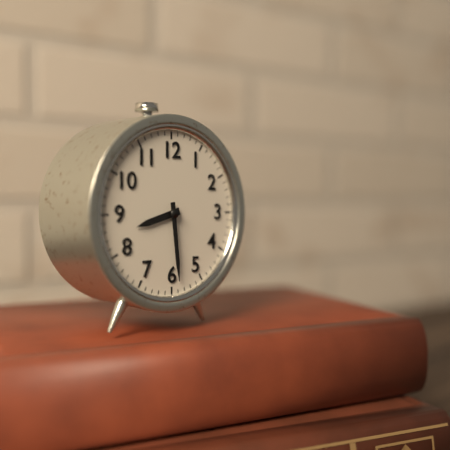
8:29
